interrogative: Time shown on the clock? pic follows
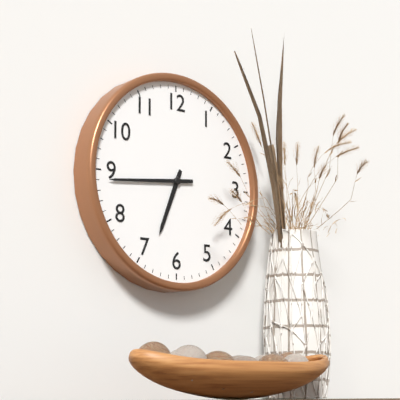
6:44
